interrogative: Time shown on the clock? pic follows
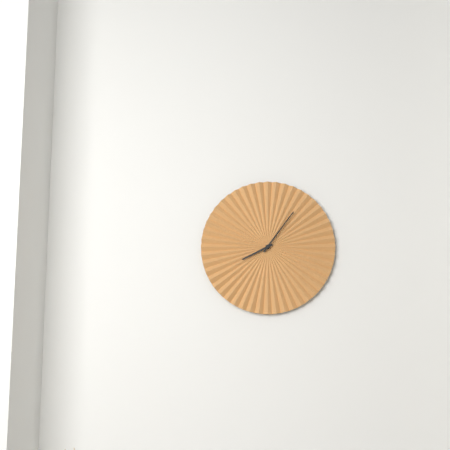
8:06
